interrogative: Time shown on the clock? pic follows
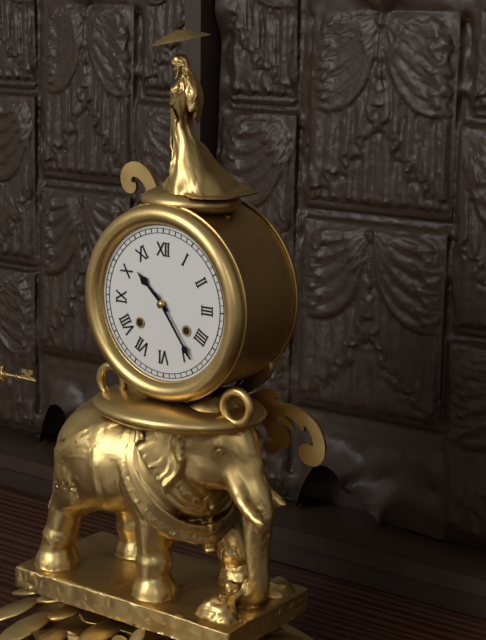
10:24
